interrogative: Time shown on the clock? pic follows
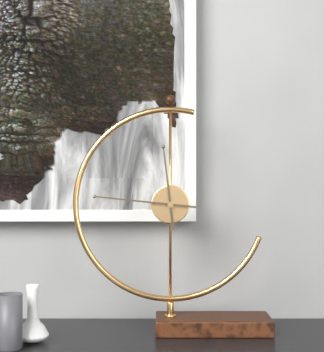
11:46
